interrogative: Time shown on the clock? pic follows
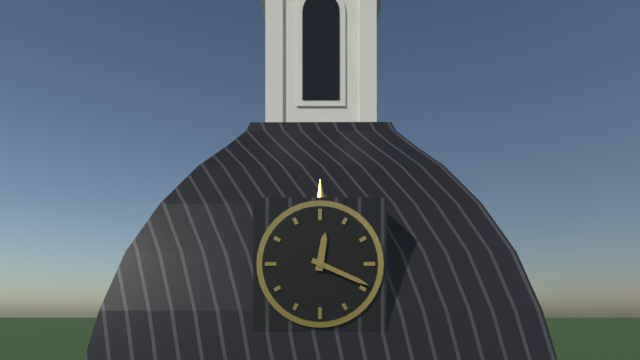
12:19
